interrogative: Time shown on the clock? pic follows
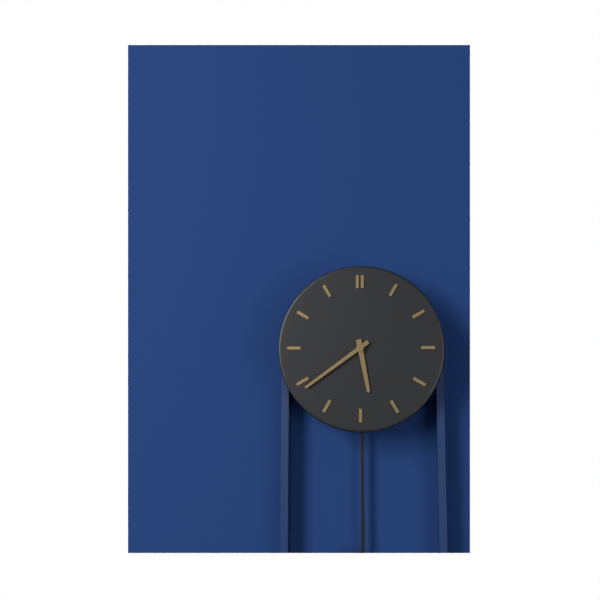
5:39
